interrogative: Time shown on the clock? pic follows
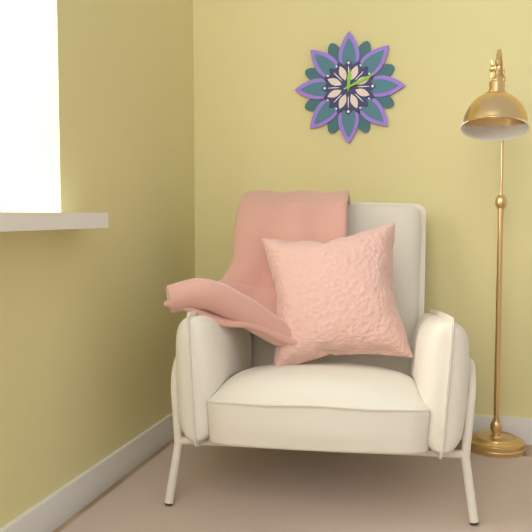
12:11
